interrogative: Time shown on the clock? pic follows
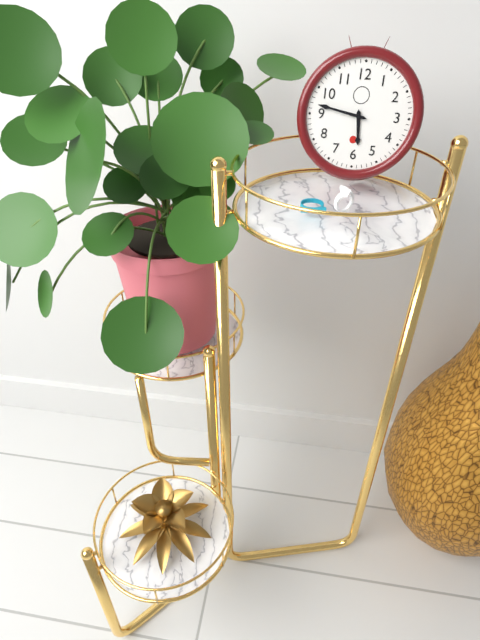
5:47
